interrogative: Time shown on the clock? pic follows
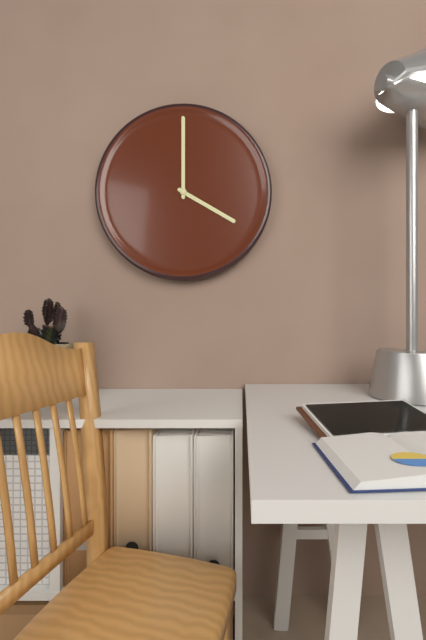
4:00
